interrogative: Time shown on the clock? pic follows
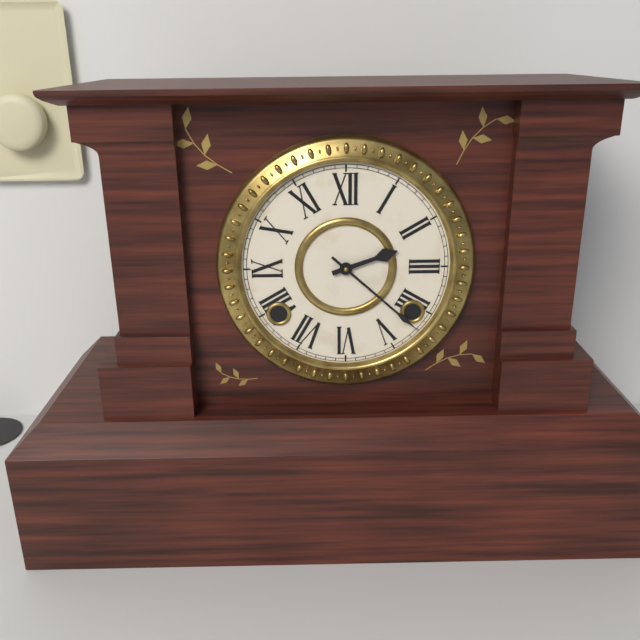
2:22
